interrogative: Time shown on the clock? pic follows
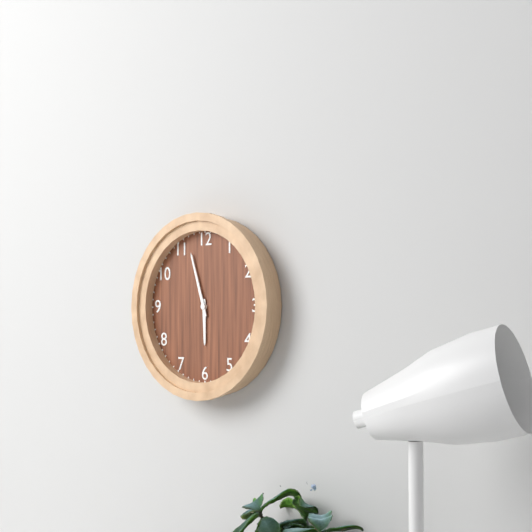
5:57
